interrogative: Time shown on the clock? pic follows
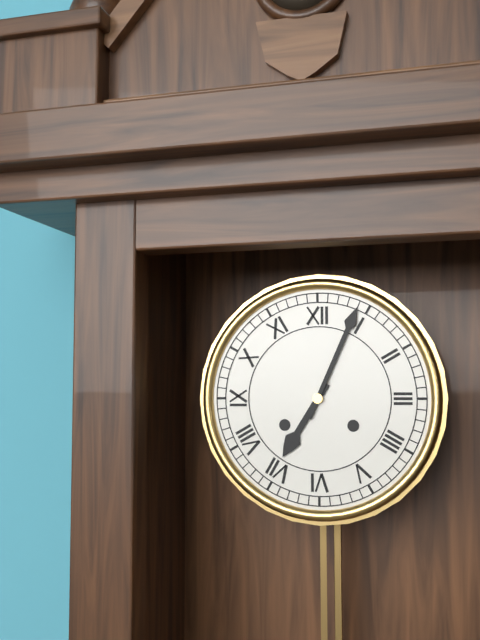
7:04
